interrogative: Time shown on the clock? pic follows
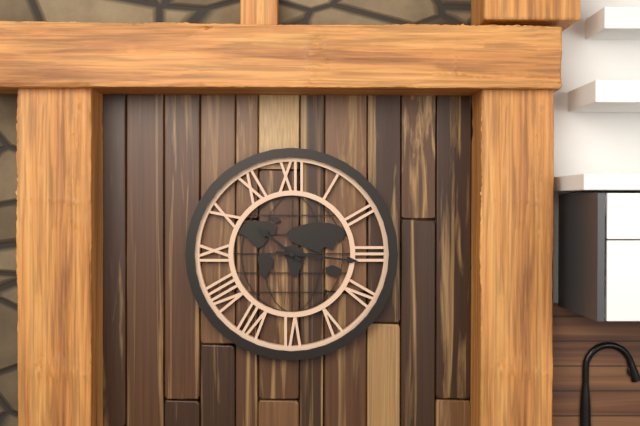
10:16
